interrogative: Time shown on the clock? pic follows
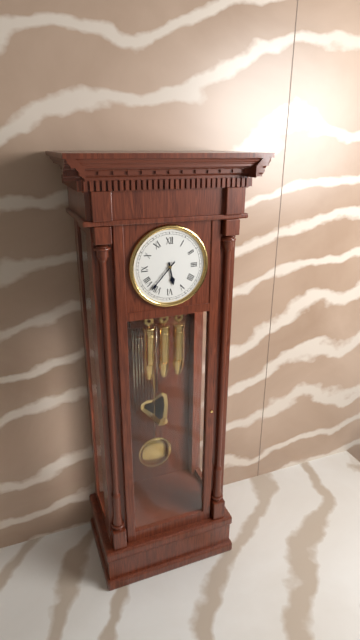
5:37
